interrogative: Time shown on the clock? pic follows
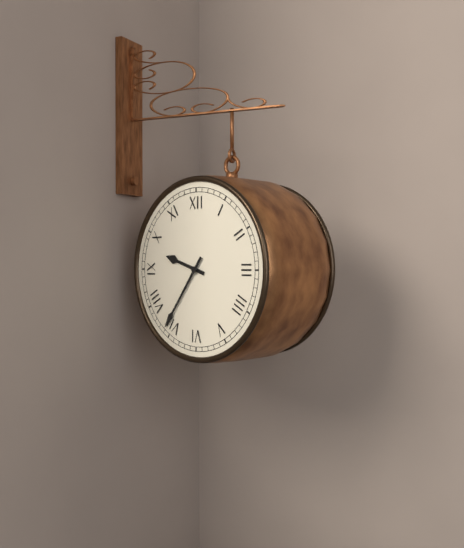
9:36
